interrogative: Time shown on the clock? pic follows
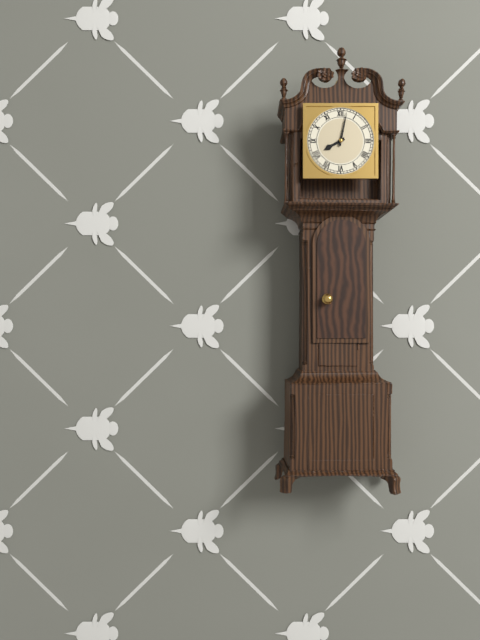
8:02
